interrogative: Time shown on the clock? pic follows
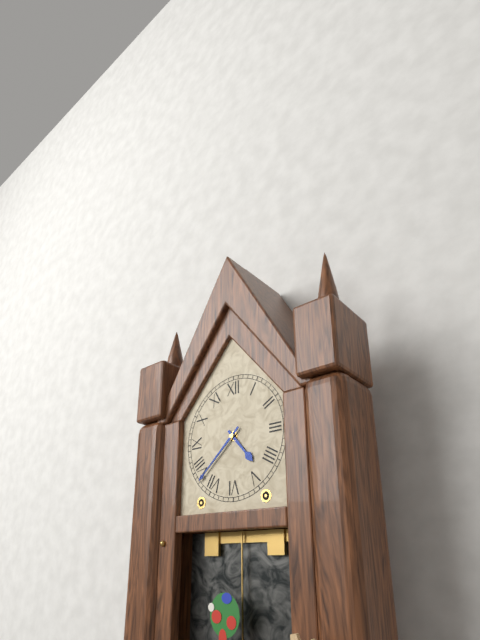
4:38
